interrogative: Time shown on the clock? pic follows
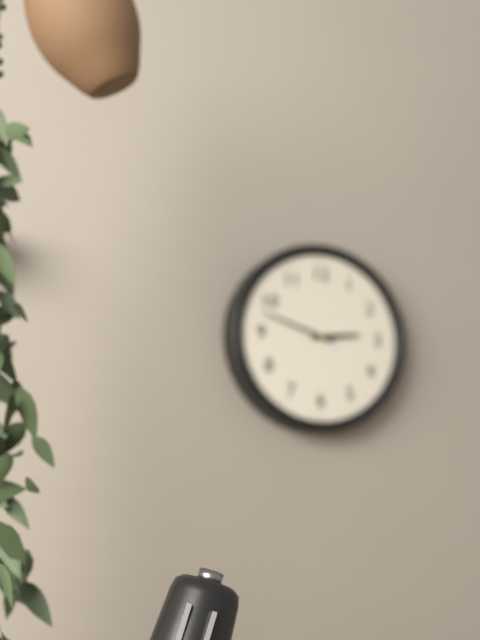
2:48
